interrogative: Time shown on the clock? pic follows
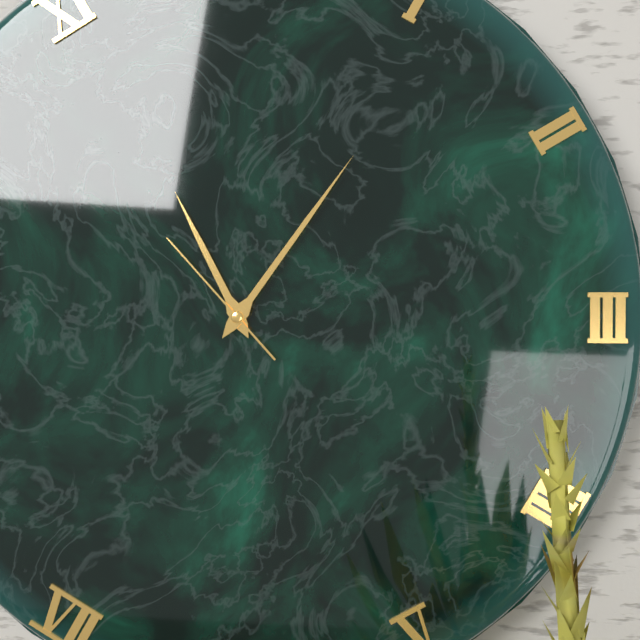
11:06:53
